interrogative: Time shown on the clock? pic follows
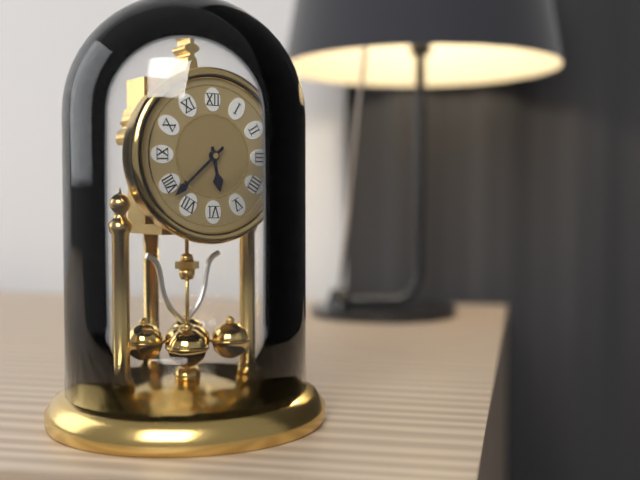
5:38
